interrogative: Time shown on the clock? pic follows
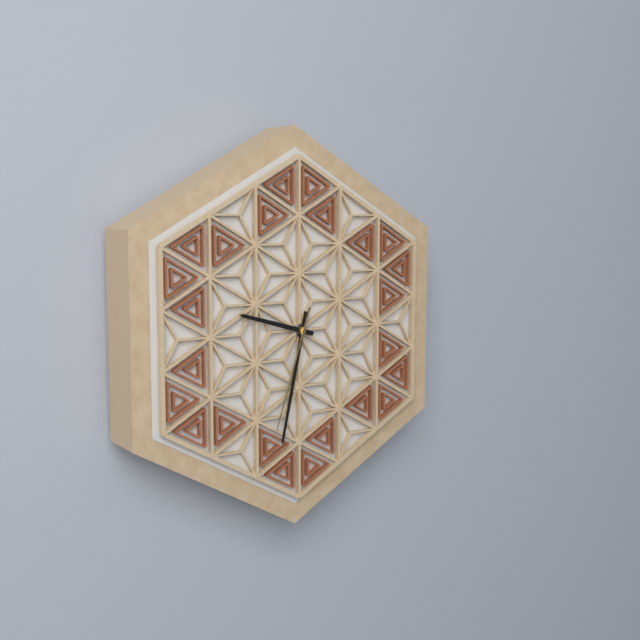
9:32:33
